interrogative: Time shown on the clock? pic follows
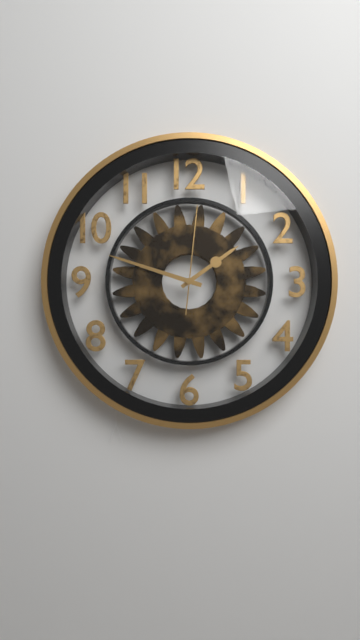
1:48:01
